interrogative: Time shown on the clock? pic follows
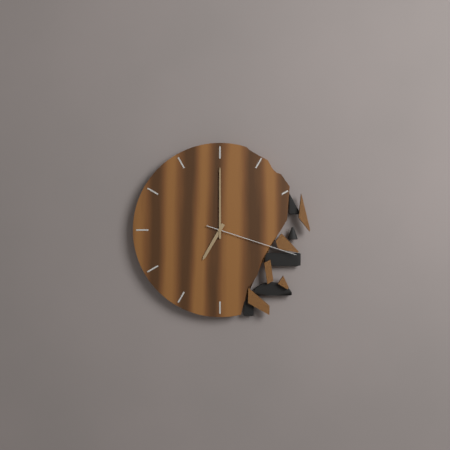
7:00:18
